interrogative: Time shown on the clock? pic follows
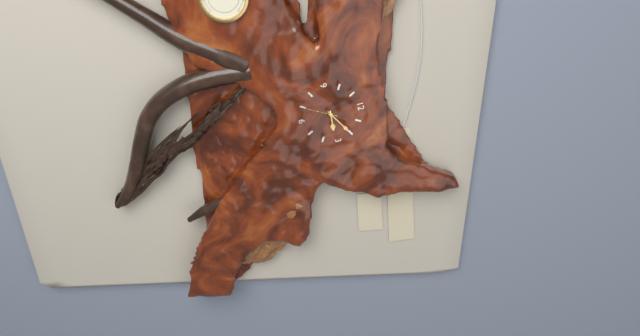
3:10
